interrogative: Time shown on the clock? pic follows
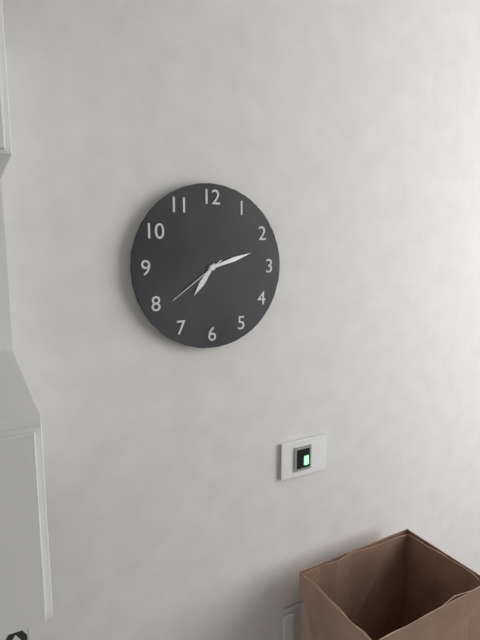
7:12:39
